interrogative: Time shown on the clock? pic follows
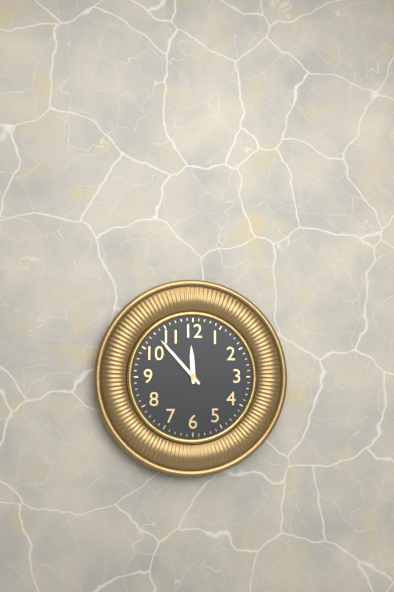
11:53
